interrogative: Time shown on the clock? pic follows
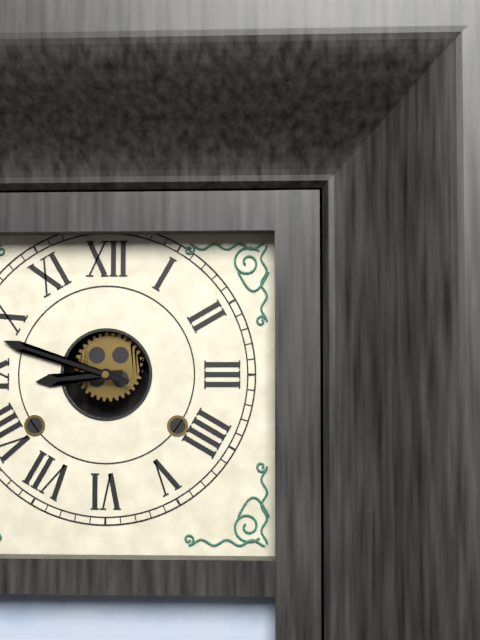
8:48
